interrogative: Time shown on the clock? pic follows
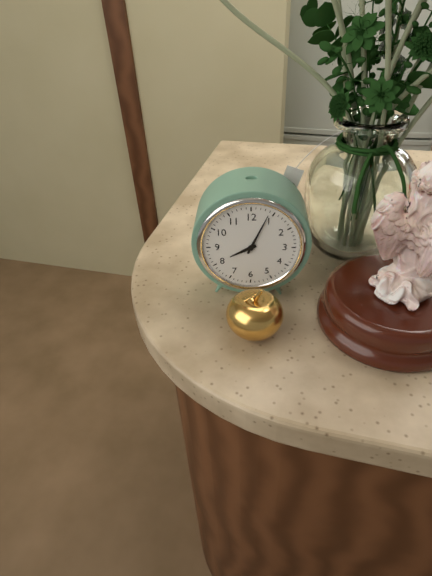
8:04
